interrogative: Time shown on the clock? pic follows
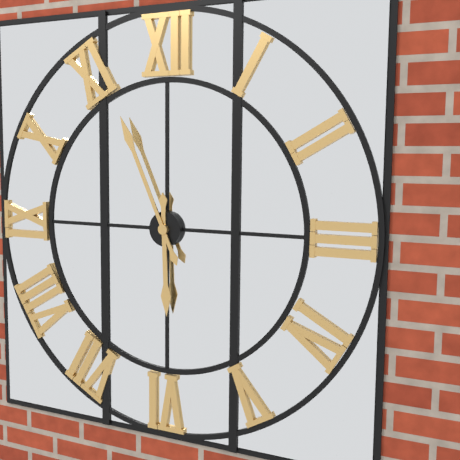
5:56
